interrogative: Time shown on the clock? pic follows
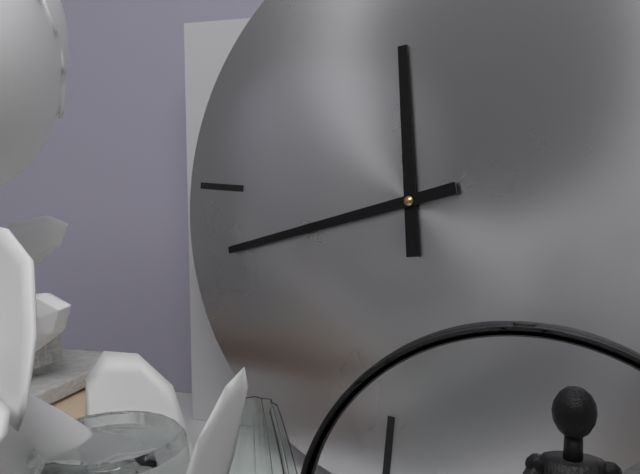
11:42
